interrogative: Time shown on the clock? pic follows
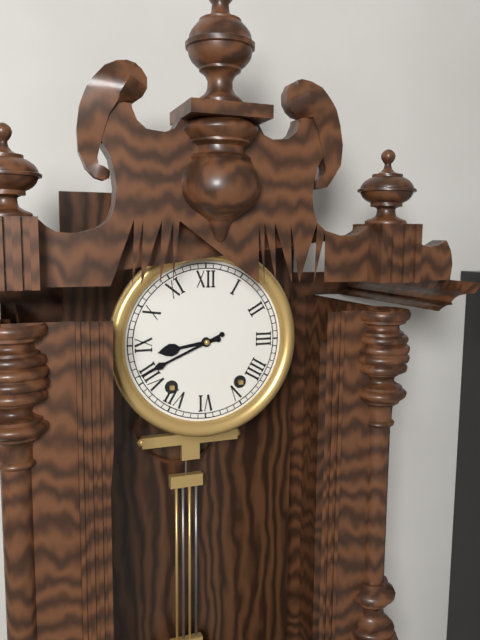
8:41
